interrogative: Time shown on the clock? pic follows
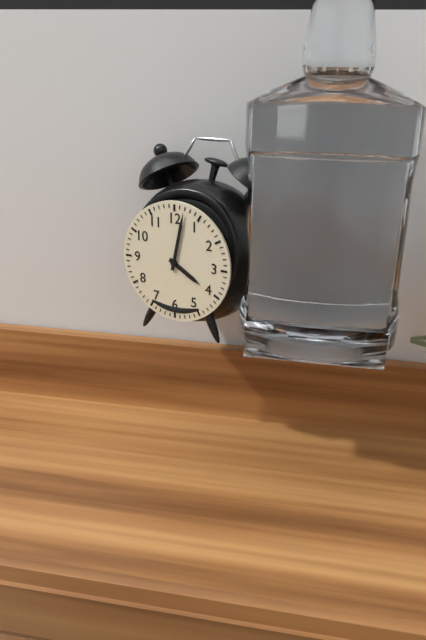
4:02
